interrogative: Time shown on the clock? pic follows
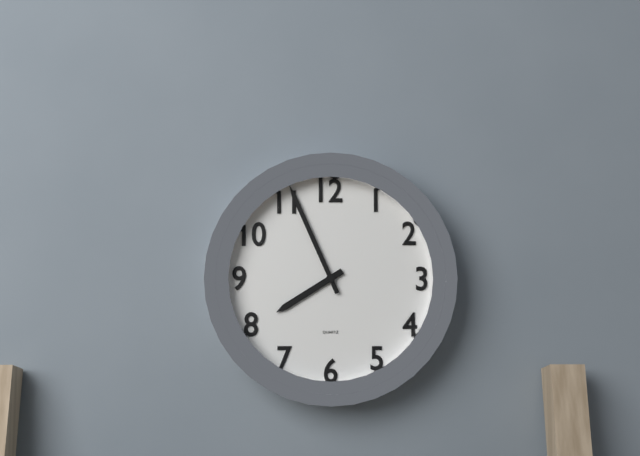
7:56
